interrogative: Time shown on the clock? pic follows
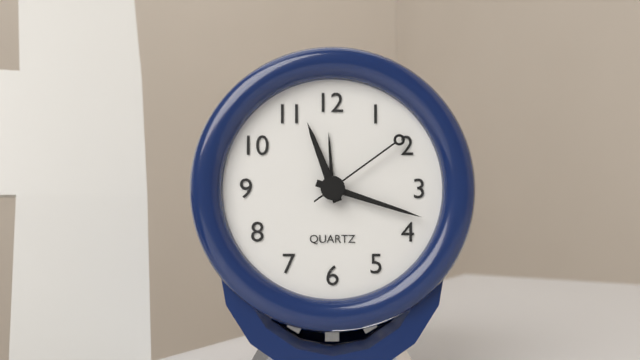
11:18:09
